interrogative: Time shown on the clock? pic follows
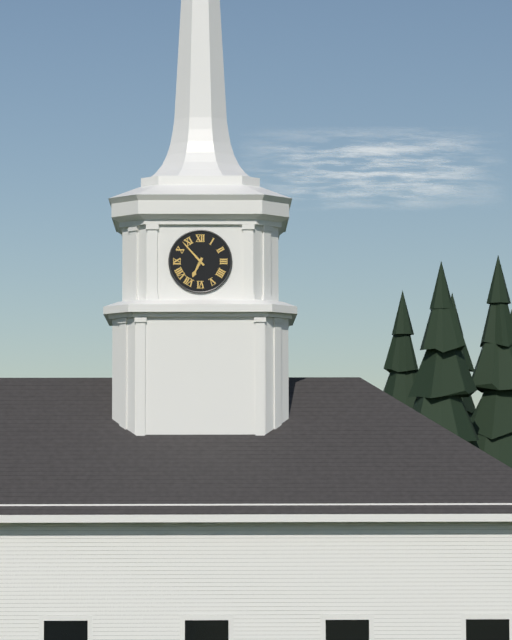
6:53
